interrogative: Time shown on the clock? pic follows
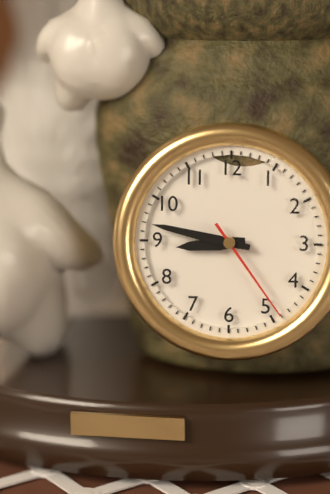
8:47:24
